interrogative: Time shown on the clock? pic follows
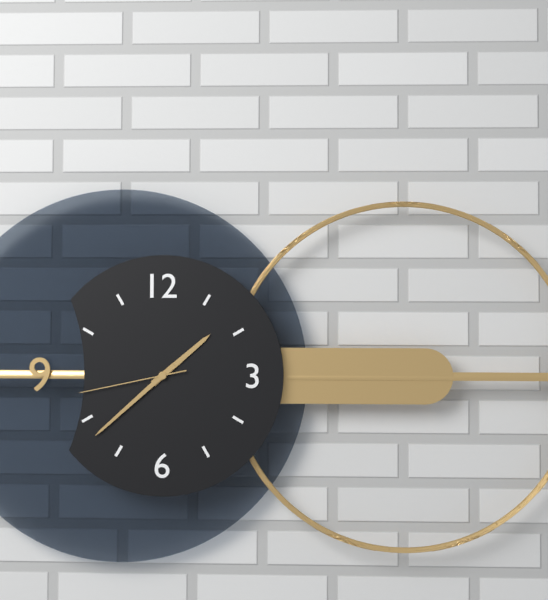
1:38:43
